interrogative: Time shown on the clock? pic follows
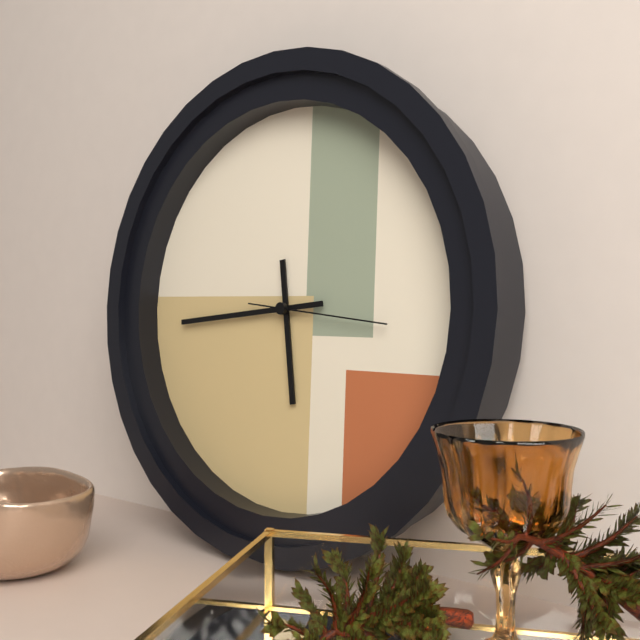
5:44:16
